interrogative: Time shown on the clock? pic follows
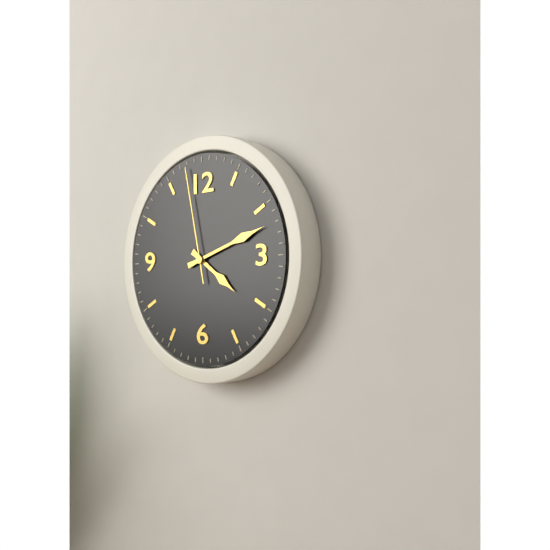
4:12:58
